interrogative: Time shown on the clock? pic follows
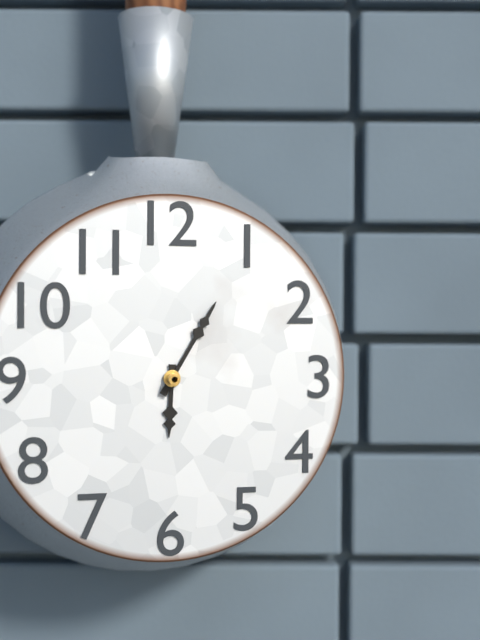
6:05
